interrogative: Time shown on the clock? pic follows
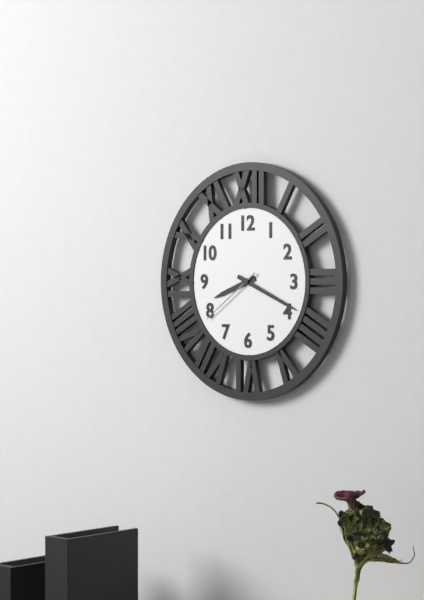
8:19:39
